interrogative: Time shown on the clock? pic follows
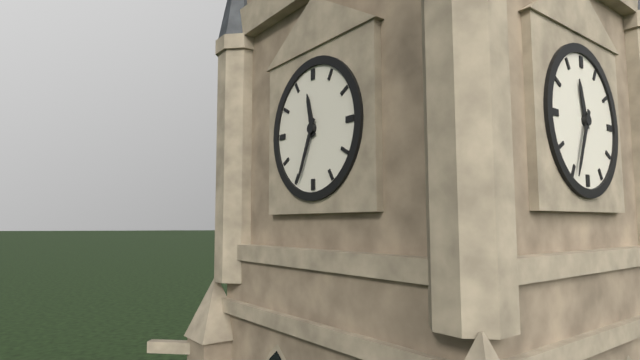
11:34
